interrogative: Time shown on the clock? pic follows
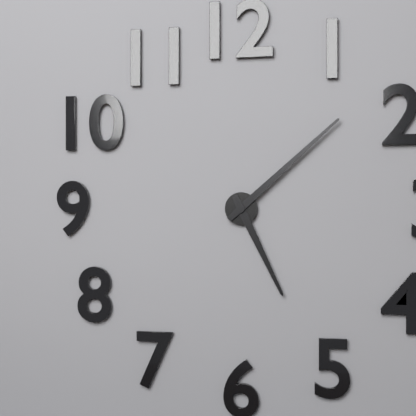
5:08
